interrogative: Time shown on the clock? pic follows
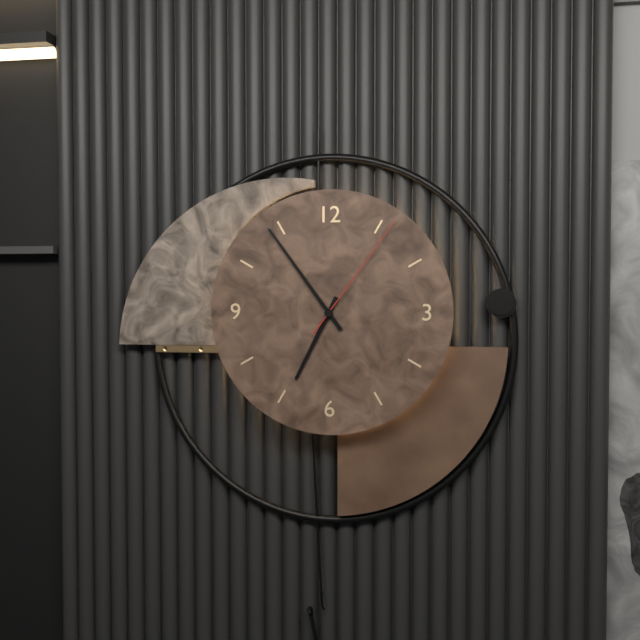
6:54:06
